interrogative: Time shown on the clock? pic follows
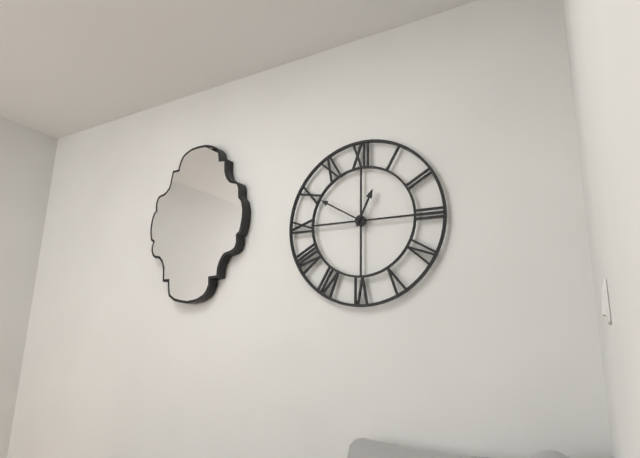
12:50
